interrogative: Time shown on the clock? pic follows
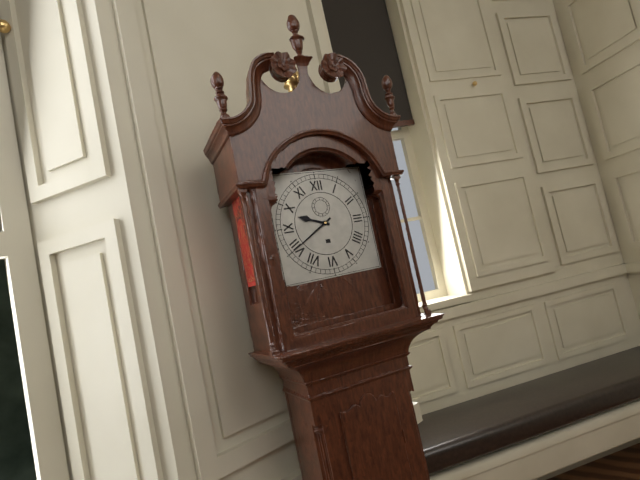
9:40
